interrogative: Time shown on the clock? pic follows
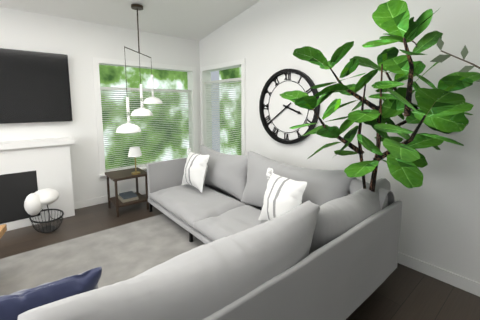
3:39
